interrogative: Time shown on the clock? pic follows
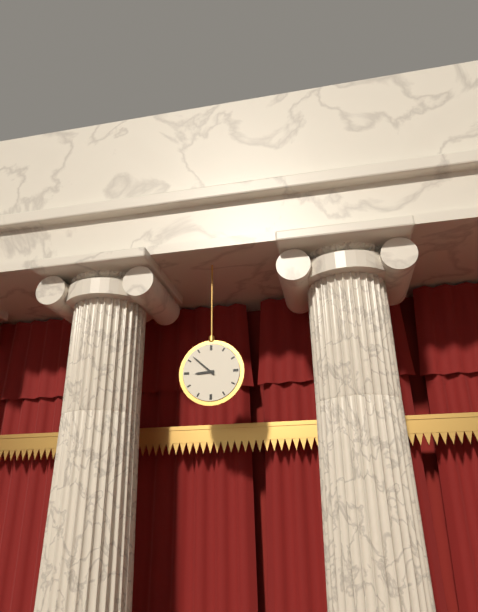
8:52
